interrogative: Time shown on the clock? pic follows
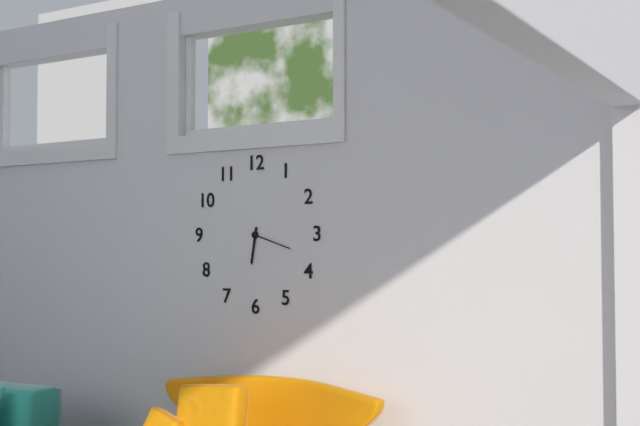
6:18
